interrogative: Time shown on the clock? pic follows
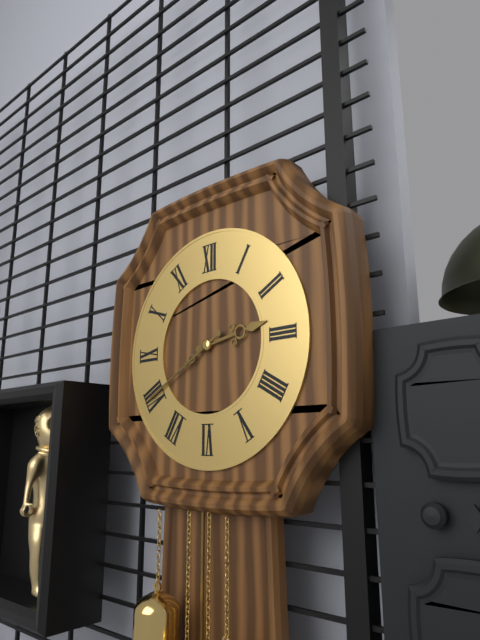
2:40
